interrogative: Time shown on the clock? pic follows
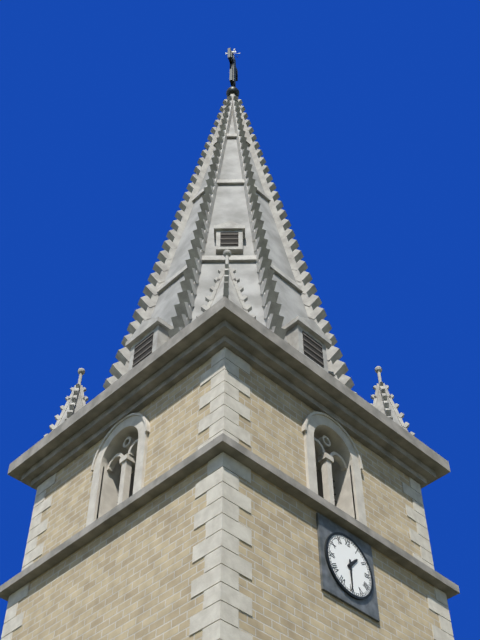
1:30
